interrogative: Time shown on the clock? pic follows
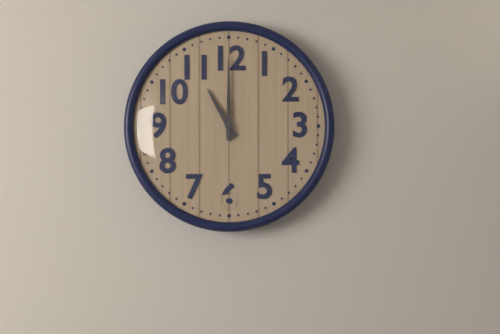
11:00
